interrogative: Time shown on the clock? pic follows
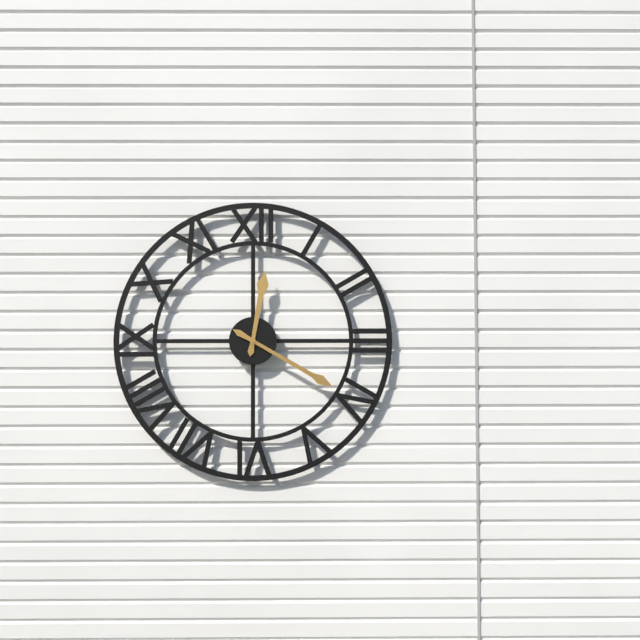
12:20
